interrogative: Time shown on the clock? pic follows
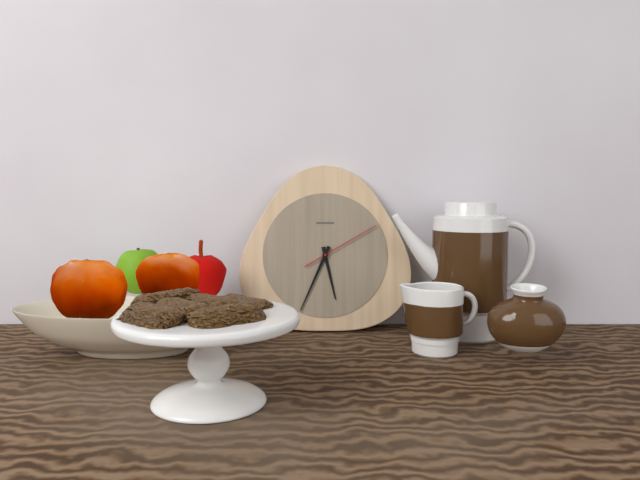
5:34:10
